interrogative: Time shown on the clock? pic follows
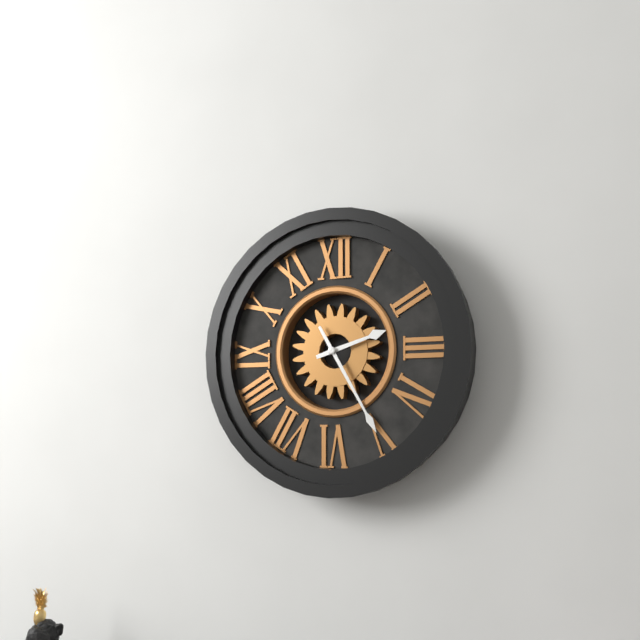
2:25
